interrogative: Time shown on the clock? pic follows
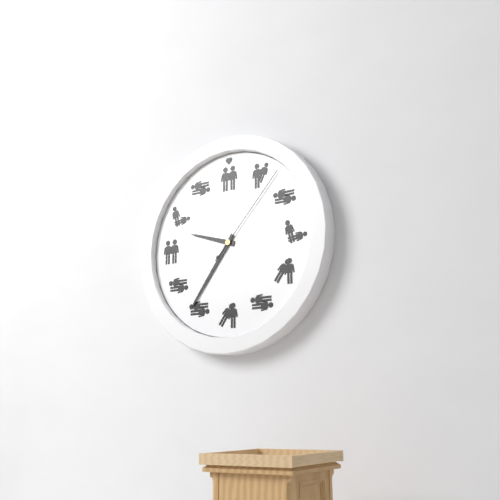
9:36:07
